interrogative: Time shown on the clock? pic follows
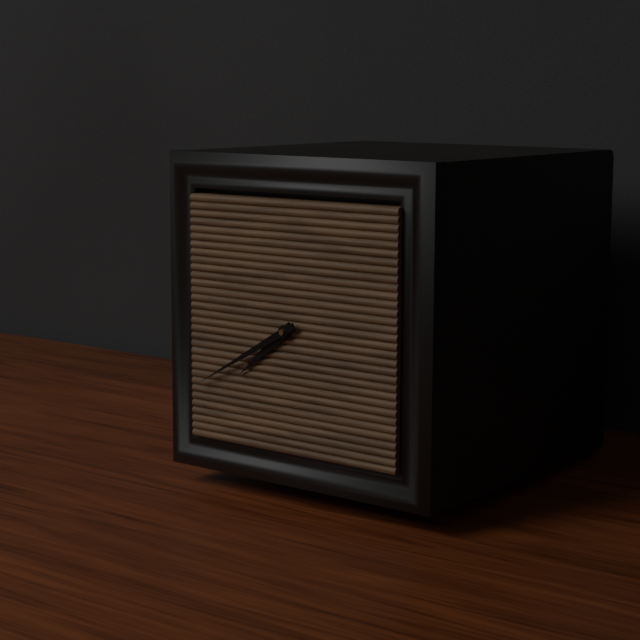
7:40
